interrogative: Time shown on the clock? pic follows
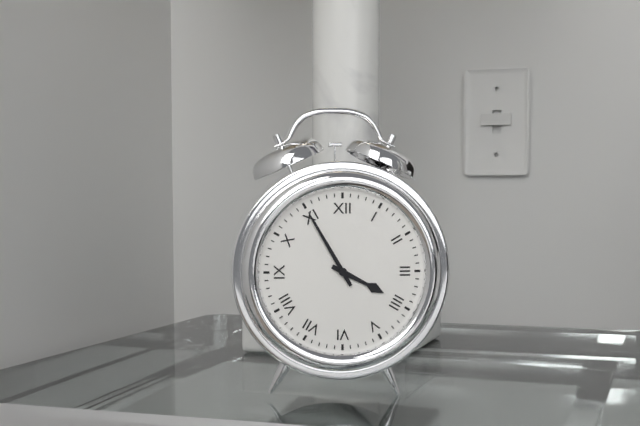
3:55
